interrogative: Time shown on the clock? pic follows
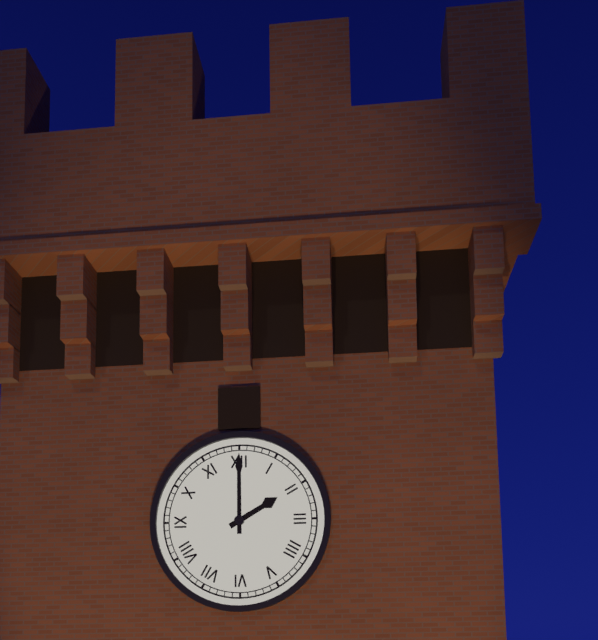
2:00
